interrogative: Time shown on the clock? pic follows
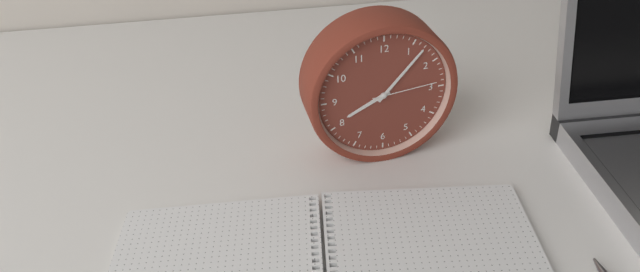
8:07:14
